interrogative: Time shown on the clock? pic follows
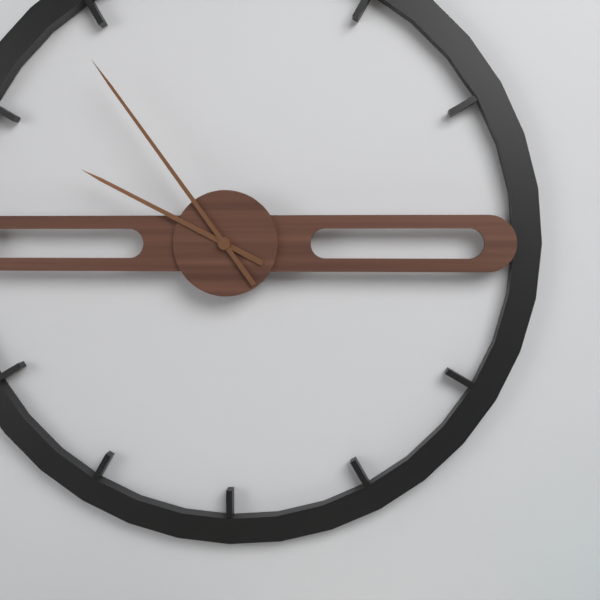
9:54
